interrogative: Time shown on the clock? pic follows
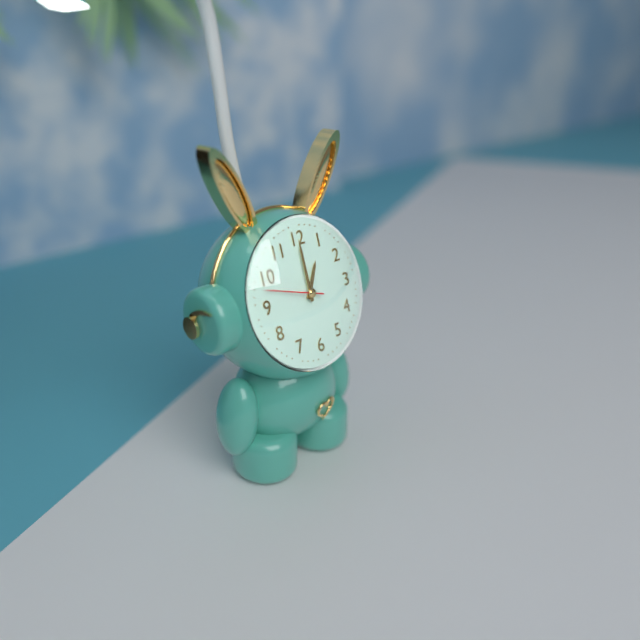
1:00:48
